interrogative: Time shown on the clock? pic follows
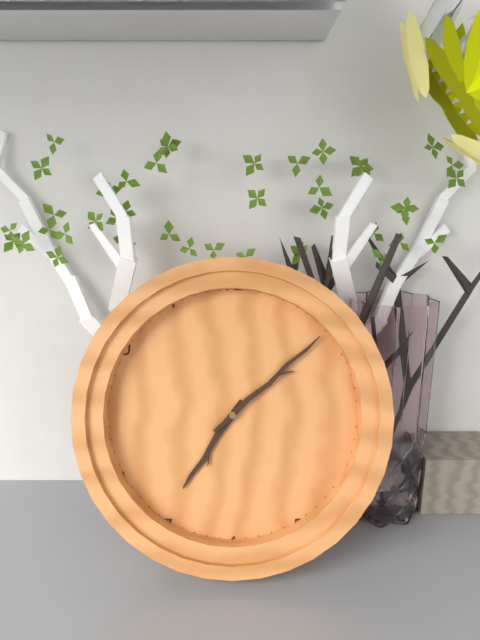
7:08
